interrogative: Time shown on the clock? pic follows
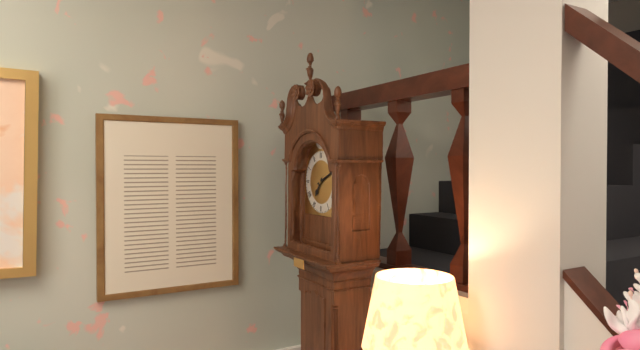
7:11
